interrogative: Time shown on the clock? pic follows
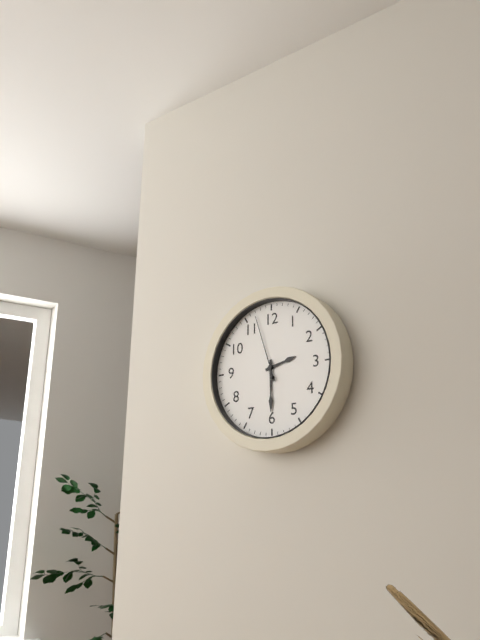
2:30:57
